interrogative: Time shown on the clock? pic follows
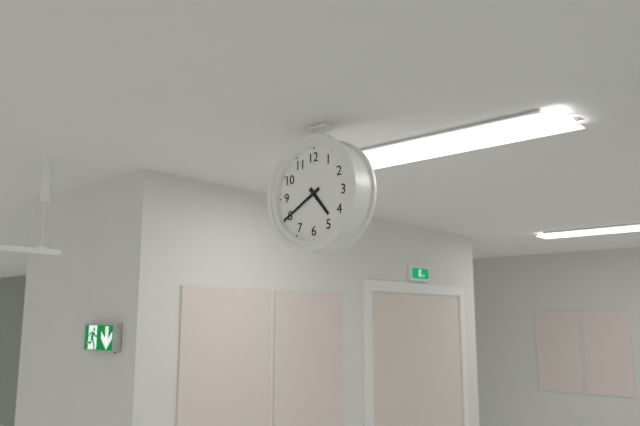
4:40
